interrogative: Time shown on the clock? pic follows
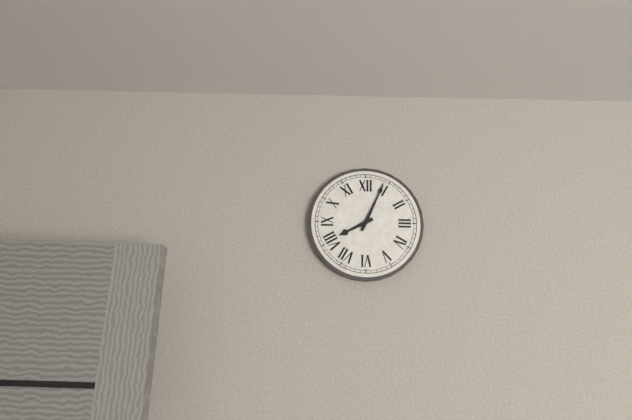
8:04
